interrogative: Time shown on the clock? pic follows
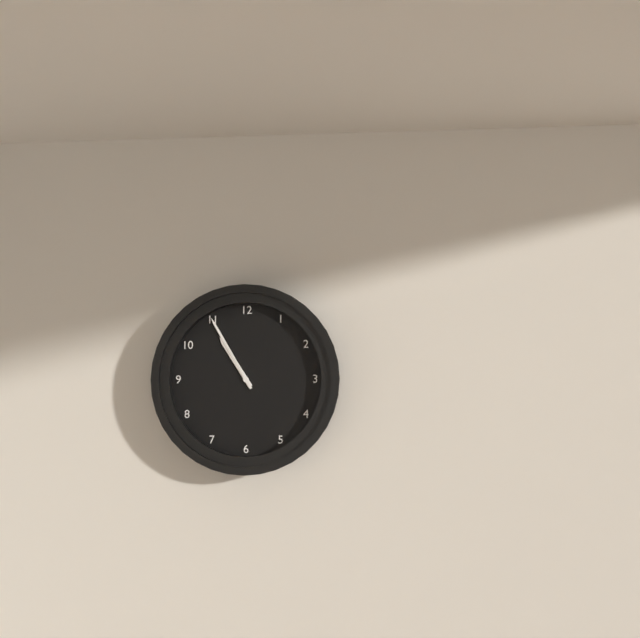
10:55
